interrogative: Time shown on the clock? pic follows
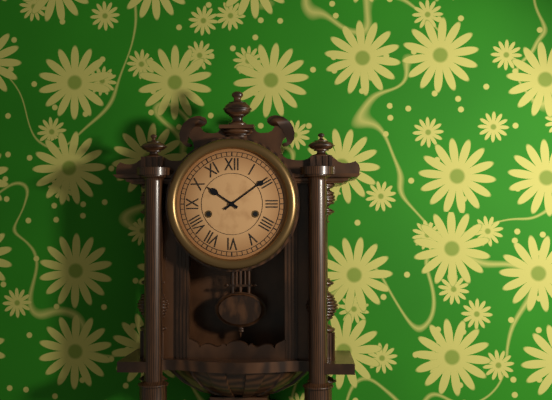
10:09
